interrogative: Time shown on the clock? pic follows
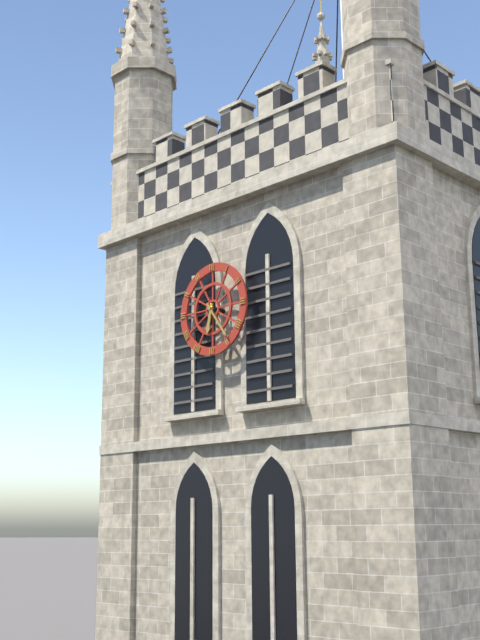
6:24
